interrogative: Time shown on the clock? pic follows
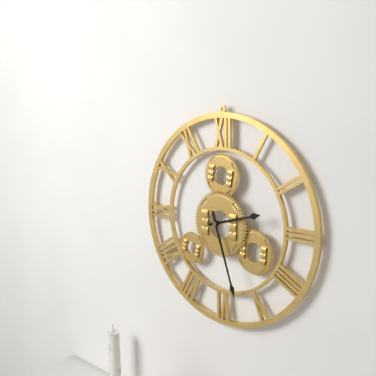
2:27
